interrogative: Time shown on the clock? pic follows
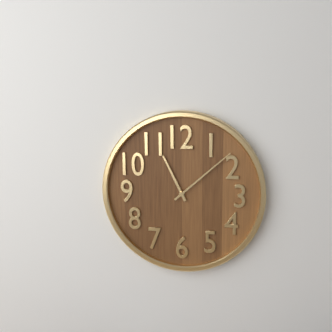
11:08
